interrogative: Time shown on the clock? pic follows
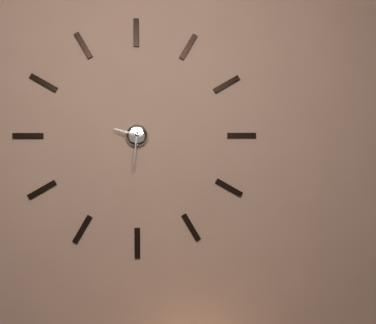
9:31
